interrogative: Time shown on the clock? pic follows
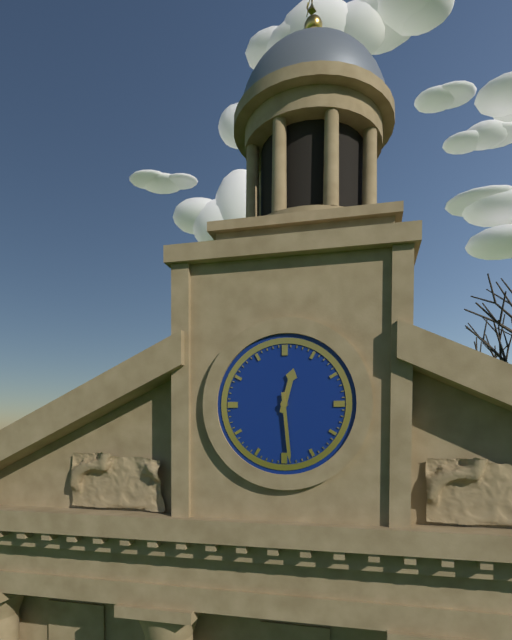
12:29
